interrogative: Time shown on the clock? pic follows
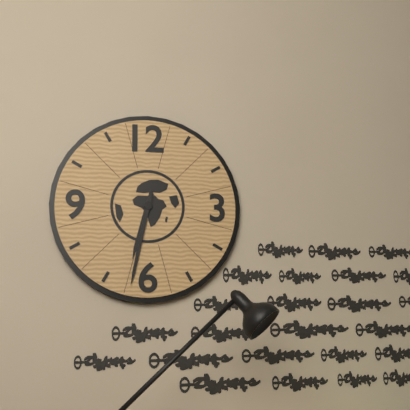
6:32
